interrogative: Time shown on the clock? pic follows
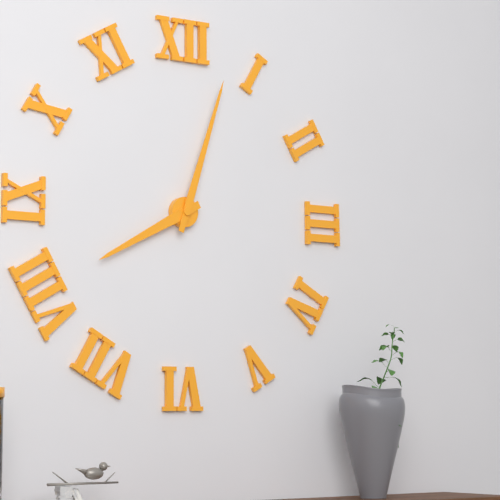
8:03
